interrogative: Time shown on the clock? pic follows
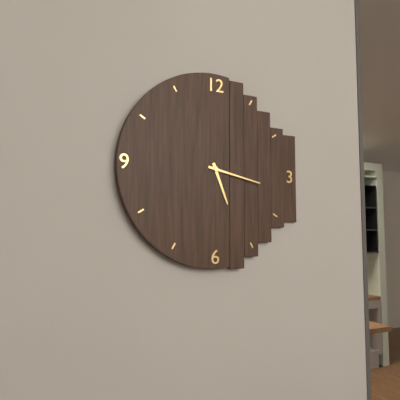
5:17
